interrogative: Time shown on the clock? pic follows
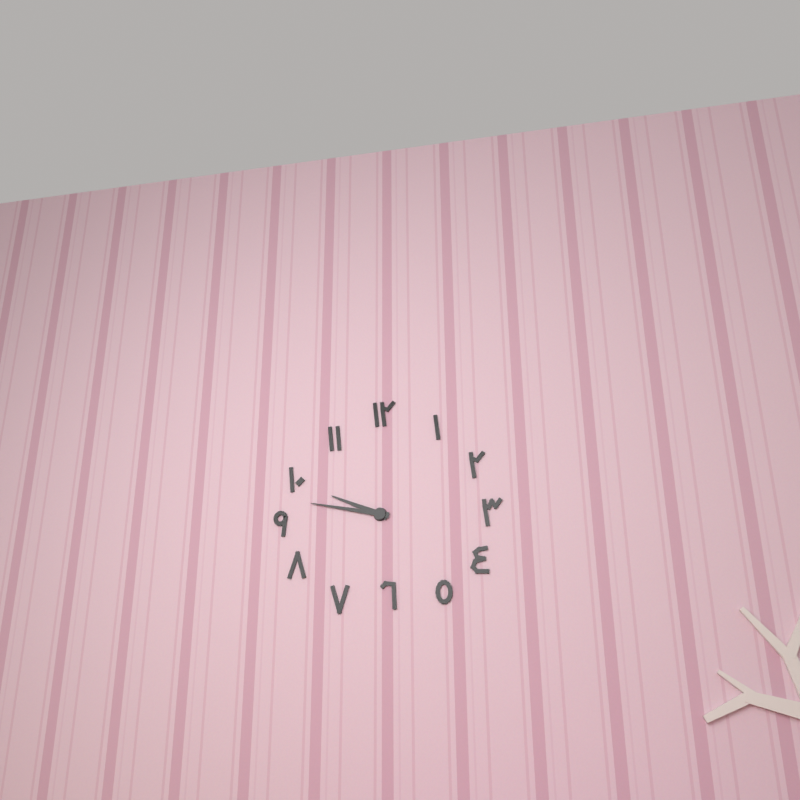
9:47
